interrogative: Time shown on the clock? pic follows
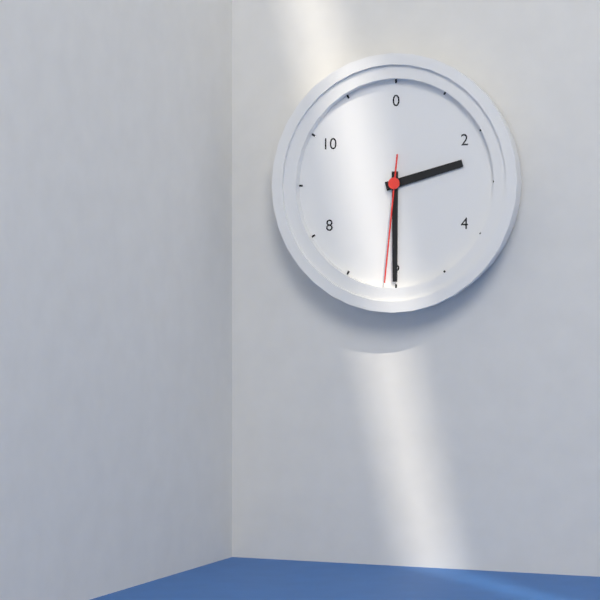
2:30:31
